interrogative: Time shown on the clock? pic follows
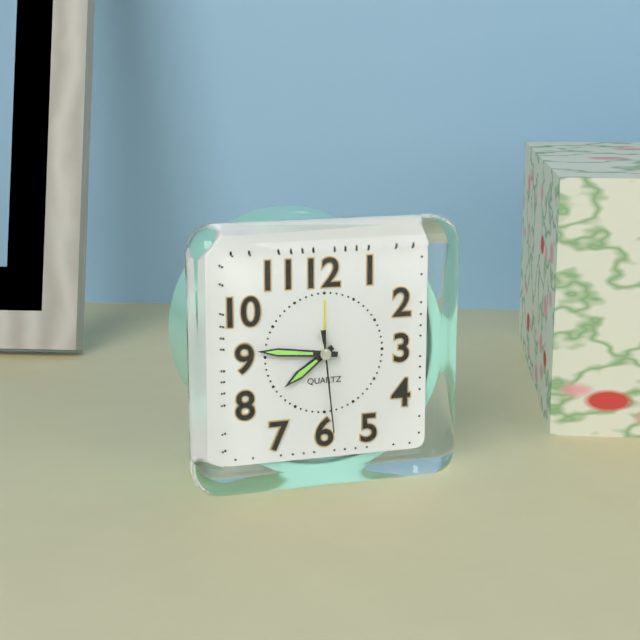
7:46:29
